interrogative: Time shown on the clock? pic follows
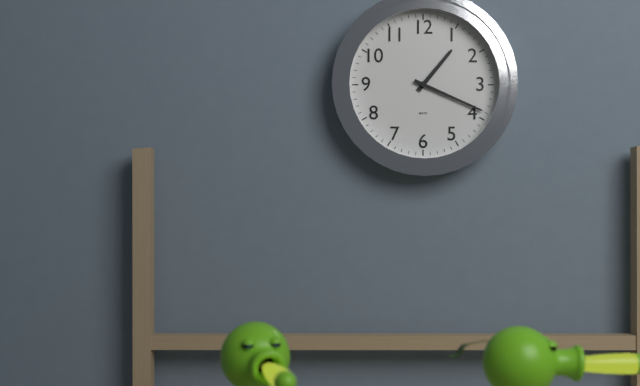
1:19
